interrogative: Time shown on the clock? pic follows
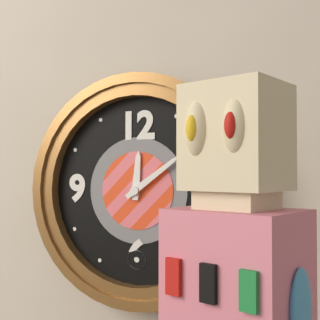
12:09
